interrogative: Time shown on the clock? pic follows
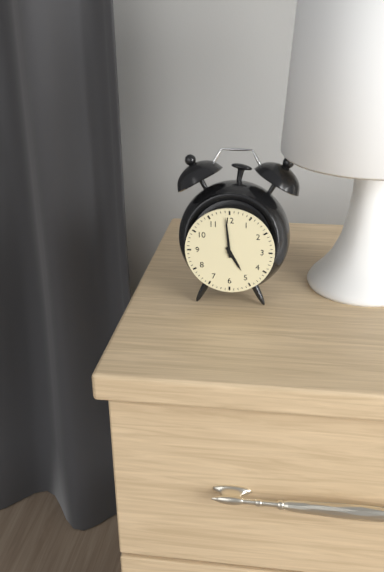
4:59
